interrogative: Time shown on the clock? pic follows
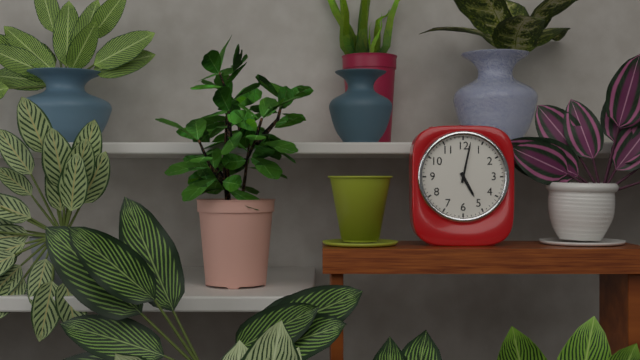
5:02
